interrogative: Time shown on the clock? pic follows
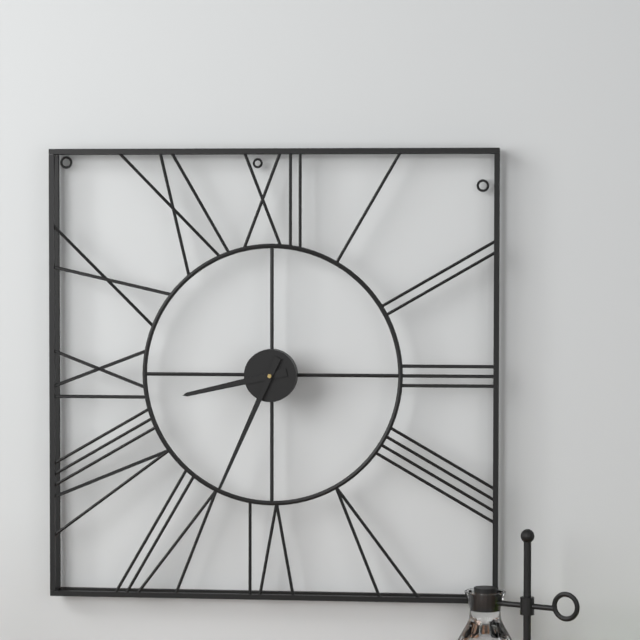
8:34
